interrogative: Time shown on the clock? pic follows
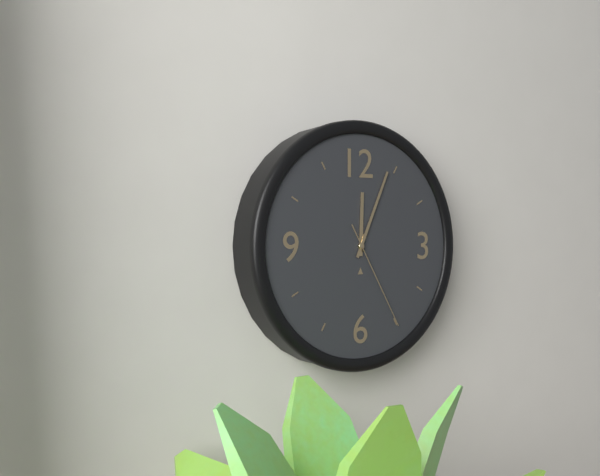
12:04:25
